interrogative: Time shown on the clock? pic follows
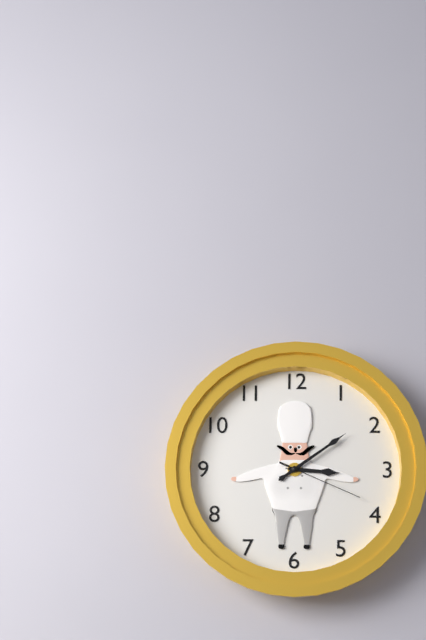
3:09:19
